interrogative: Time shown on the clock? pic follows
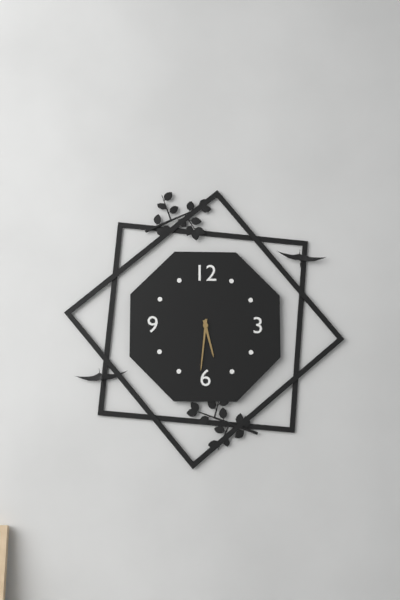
5:31
